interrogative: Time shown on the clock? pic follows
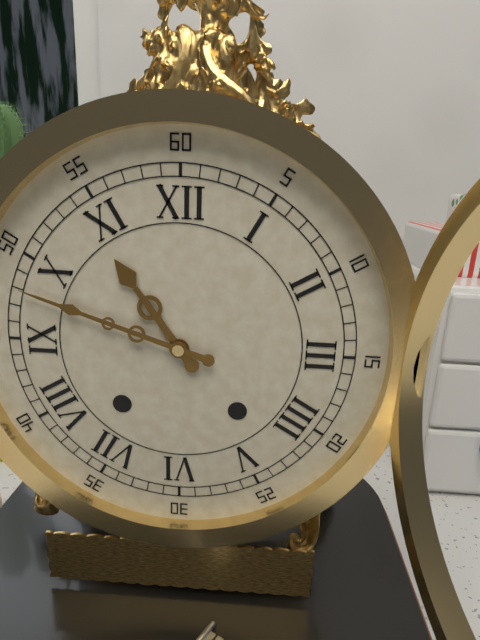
10:48
